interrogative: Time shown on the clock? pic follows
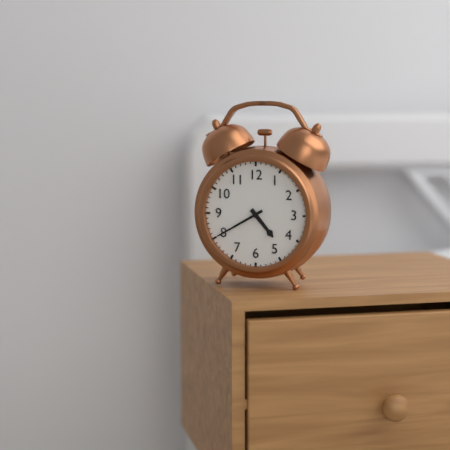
4:40
